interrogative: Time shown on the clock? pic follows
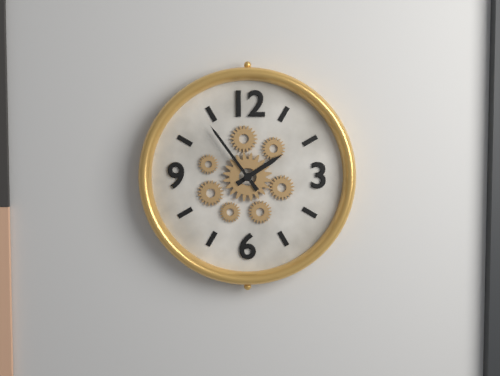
1:54
